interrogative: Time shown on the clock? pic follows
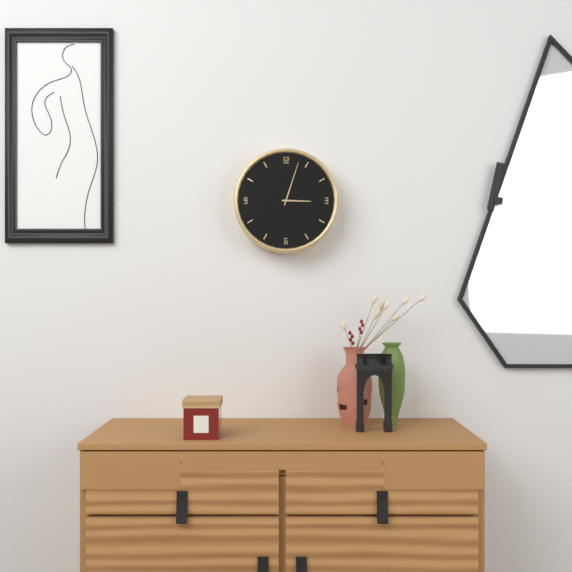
3:03
